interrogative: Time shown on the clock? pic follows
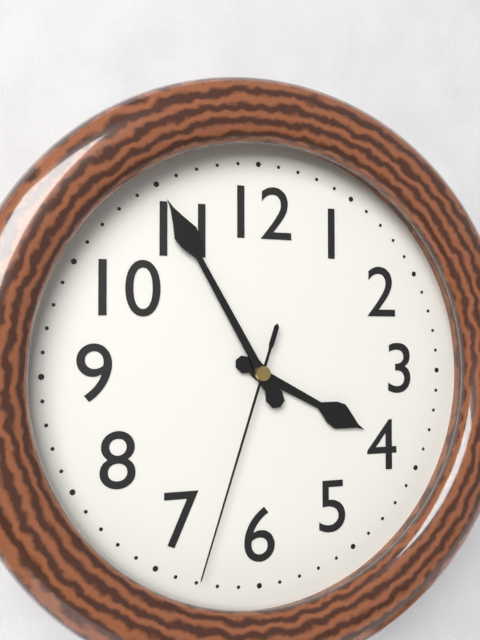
3:55:33
